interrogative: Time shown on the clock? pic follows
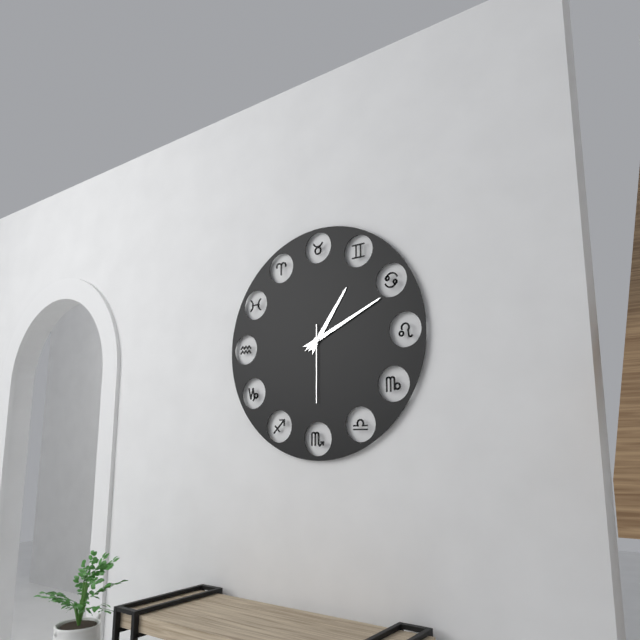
1:11:30
